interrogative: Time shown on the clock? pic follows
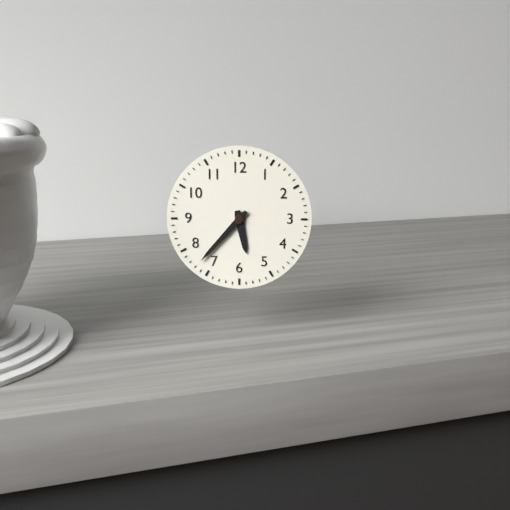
5:37
